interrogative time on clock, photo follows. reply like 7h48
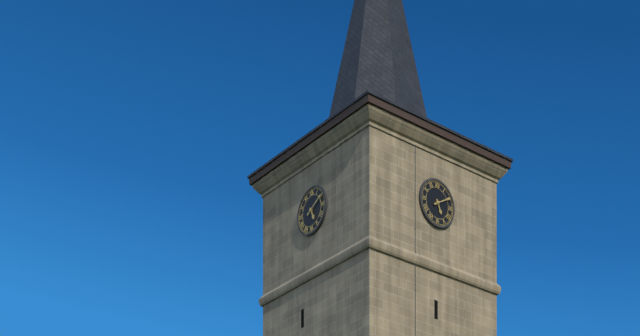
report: 5h10
